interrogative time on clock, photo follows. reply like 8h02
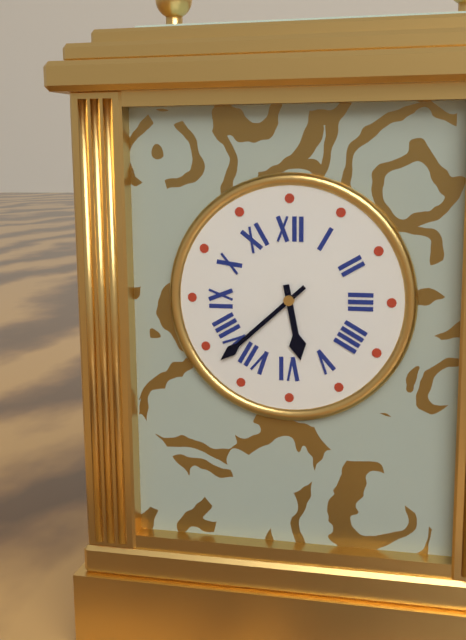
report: 5h38
